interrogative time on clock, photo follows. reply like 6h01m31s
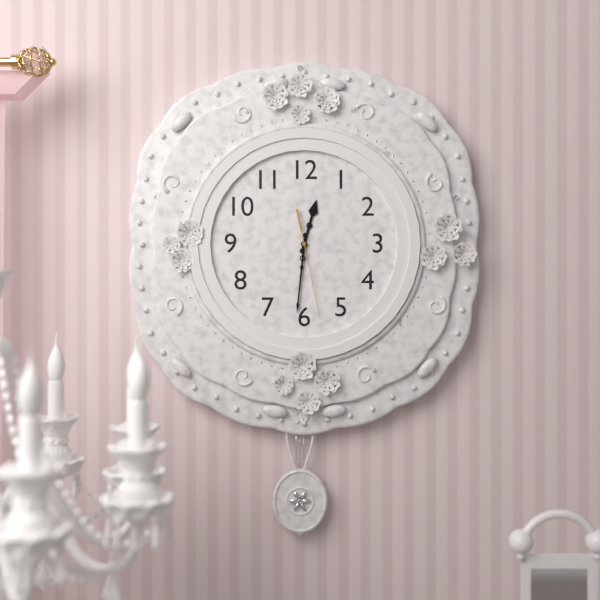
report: 12h31m28s
